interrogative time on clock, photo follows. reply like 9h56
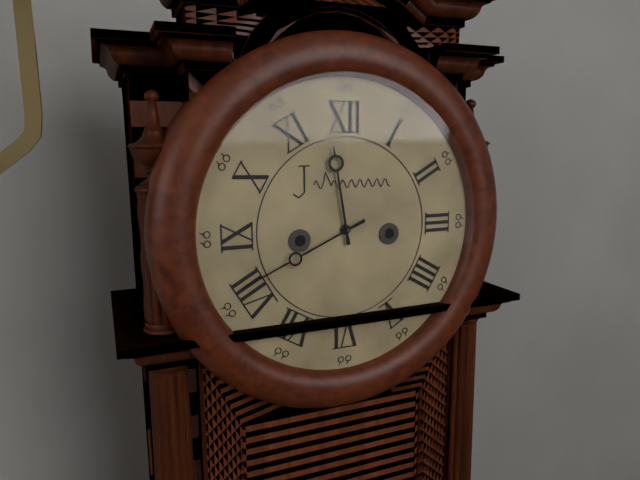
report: 11h41
